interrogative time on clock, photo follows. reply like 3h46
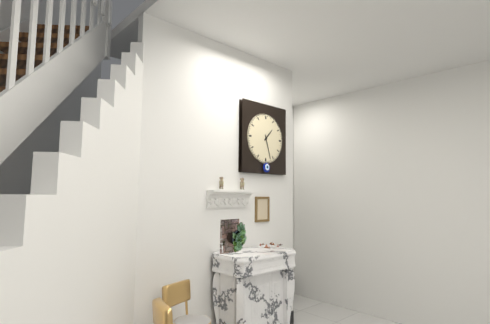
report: 1h27
